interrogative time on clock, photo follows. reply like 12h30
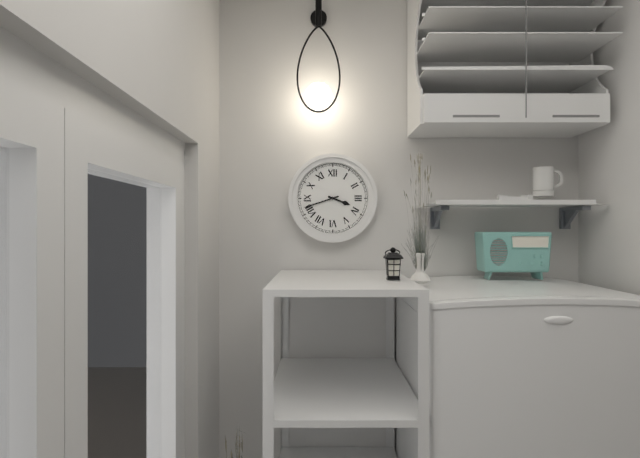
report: 3h42
